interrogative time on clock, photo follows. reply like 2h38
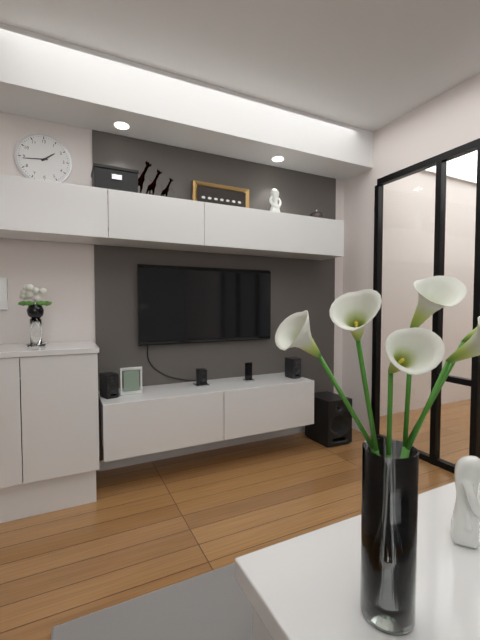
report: 1h44
